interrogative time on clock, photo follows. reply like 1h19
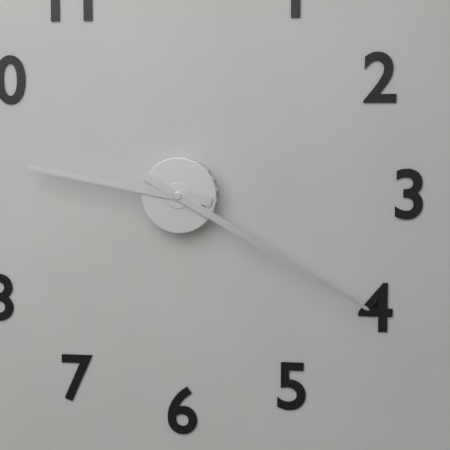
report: 9h20
